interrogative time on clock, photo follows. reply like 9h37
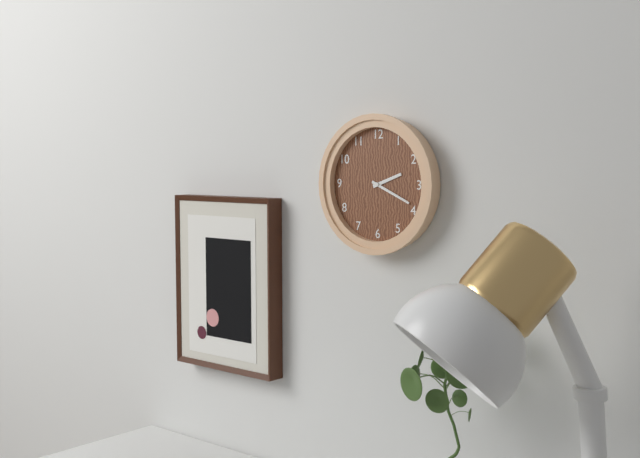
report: 2h19
